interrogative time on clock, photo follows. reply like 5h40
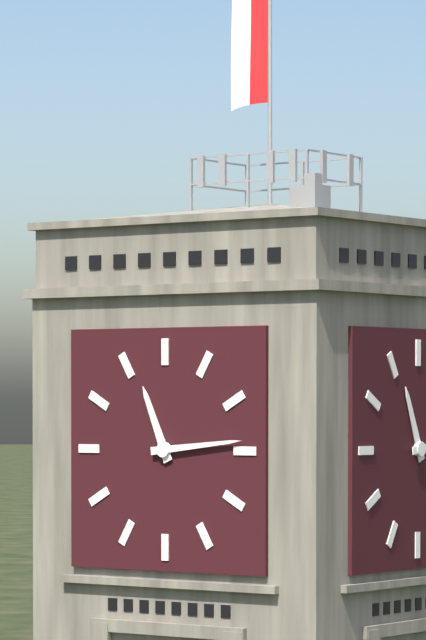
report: 11h14
